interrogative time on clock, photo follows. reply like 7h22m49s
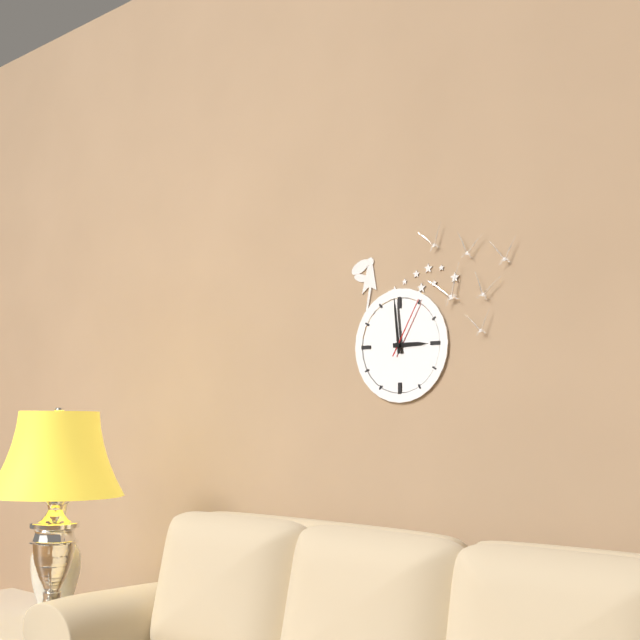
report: 2h59m05s
